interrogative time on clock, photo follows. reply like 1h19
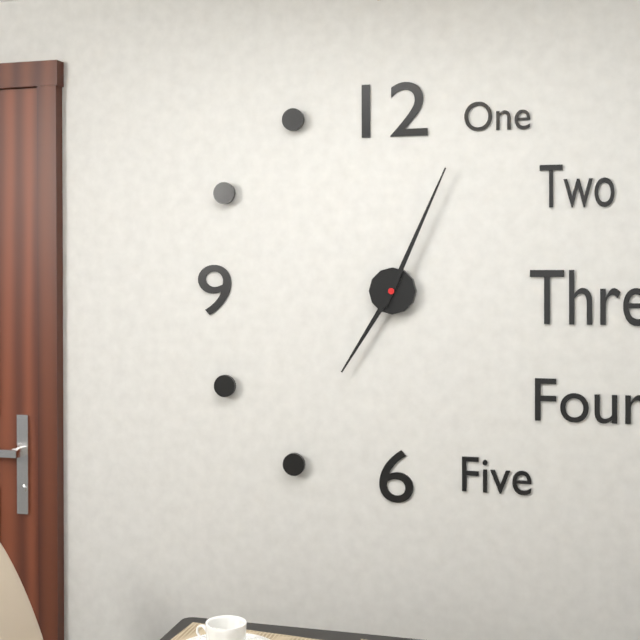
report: 7h04
